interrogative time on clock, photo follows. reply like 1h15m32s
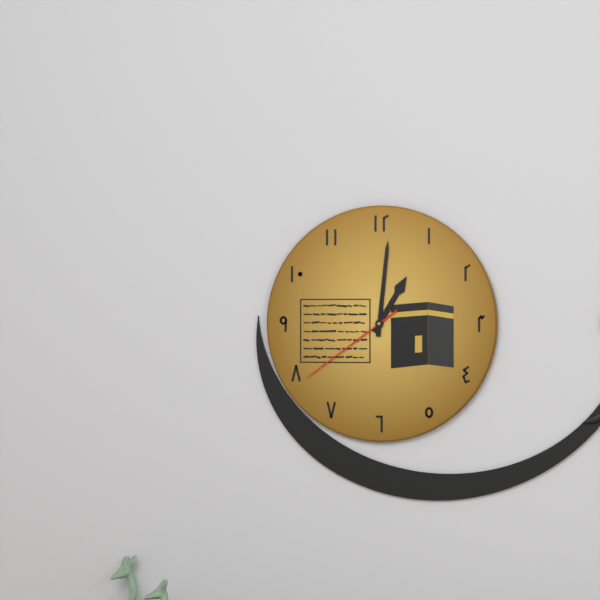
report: 1h01m39s
